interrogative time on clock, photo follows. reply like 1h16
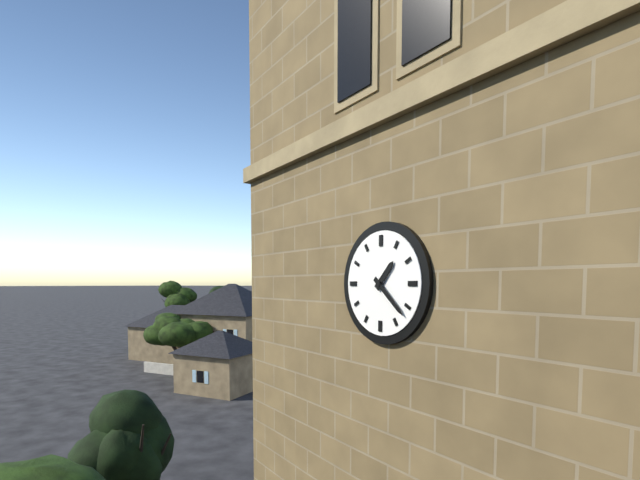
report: 1h22
